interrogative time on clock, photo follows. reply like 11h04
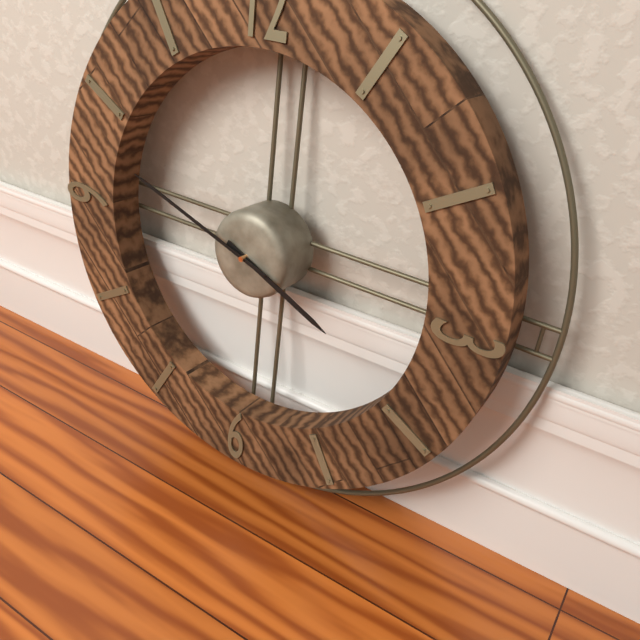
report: 3h48
